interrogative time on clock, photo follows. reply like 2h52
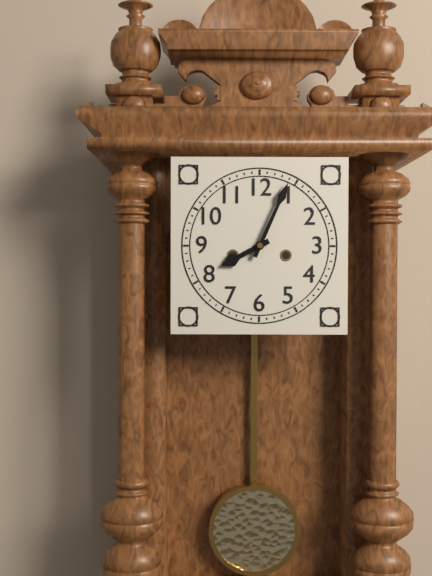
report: 8h04
